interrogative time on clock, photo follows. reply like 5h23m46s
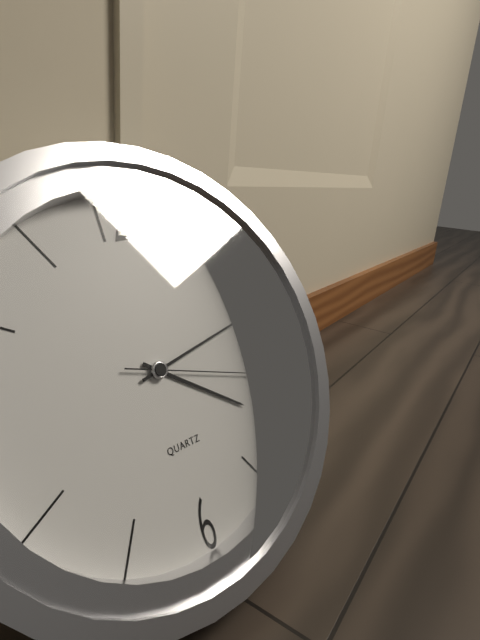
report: 4h13m18s
